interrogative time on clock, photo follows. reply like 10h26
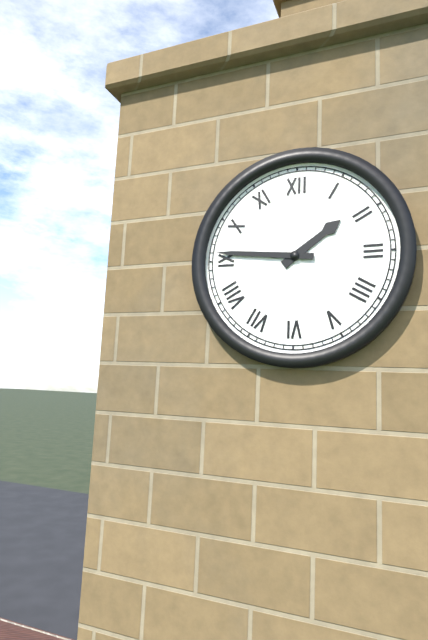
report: 1h46
